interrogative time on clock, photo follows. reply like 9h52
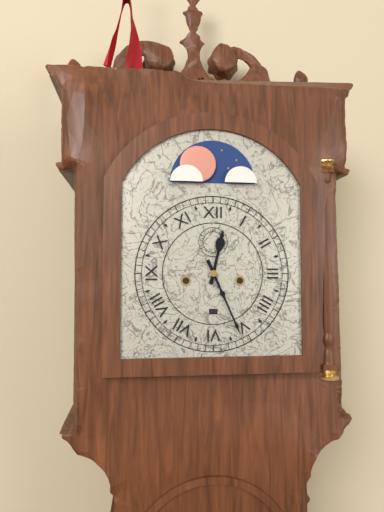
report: 12h26
